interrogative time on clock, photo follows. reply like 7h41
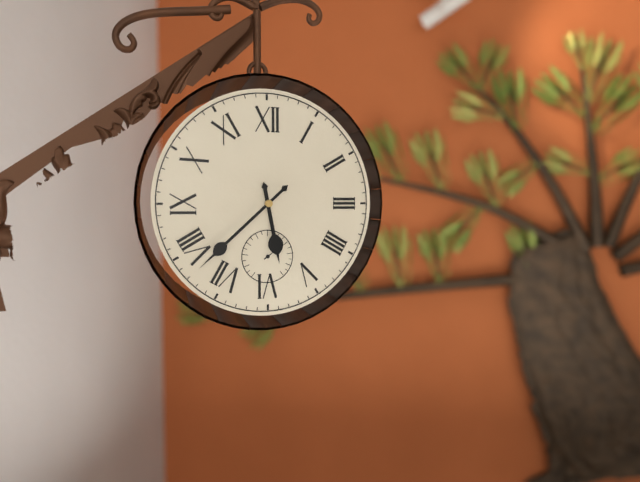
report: 5h38
